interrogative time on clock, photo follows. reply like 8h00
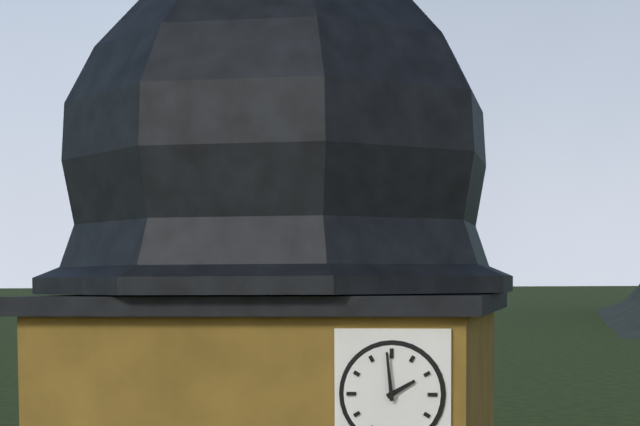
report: 1h59
